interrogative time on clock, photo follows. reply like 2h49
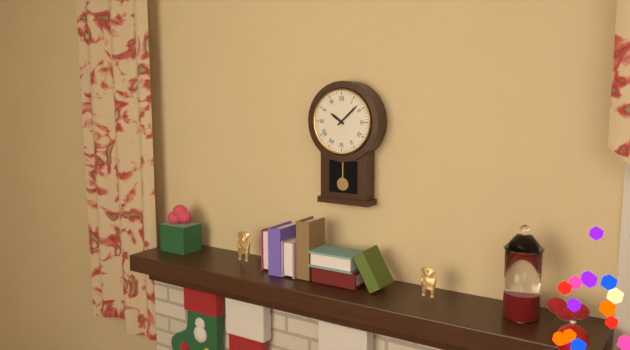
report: 10h08
